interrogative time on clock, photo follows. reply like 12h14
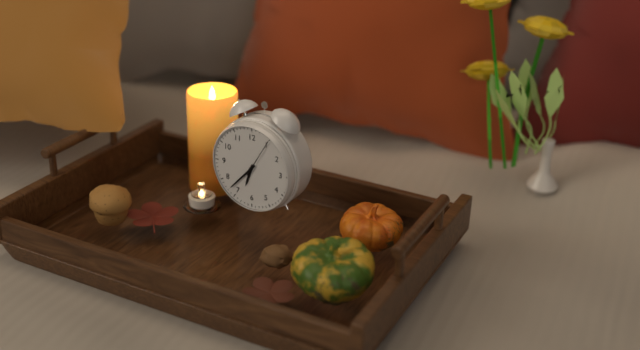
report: 6h37
